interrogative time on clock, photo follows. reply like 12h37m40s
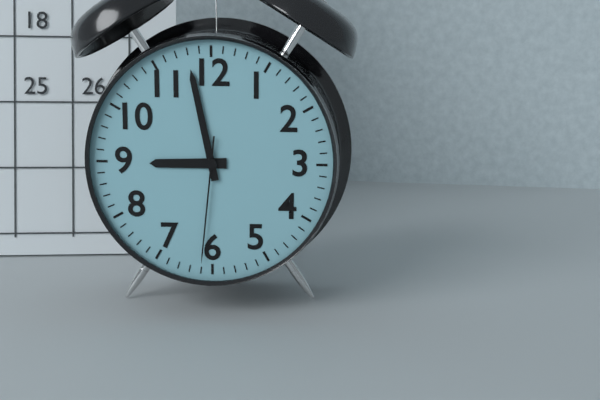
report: 8h58m31s
